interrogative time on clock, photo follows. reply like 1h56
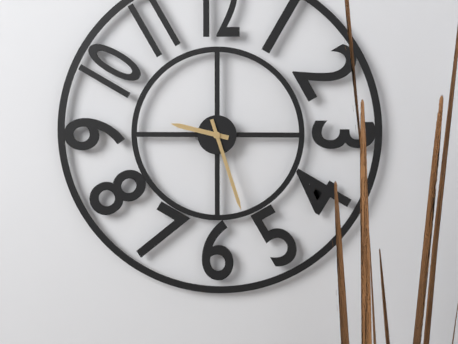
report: 9h27
